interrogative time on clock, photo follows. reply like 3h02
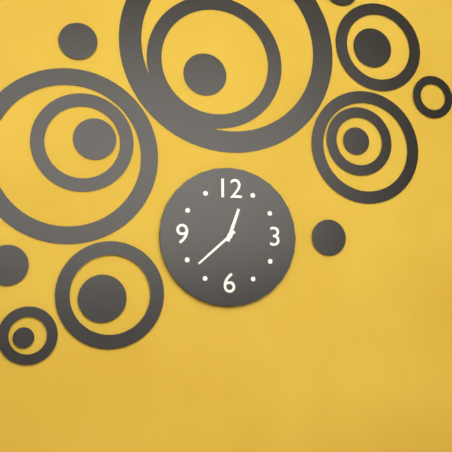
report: 12h38
